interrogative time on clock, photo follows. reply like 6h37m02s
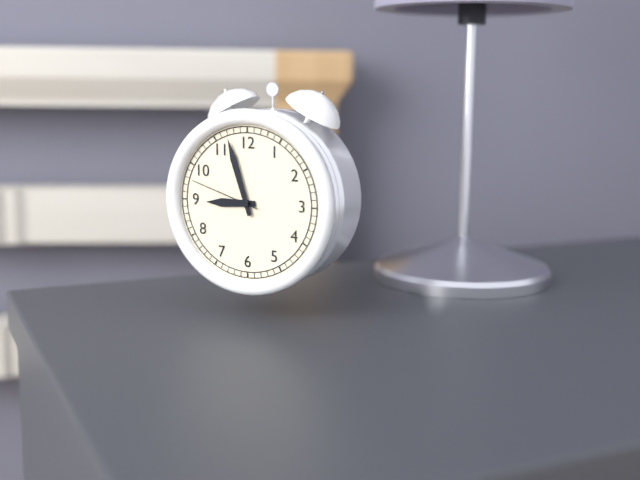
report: 8h57m48s
